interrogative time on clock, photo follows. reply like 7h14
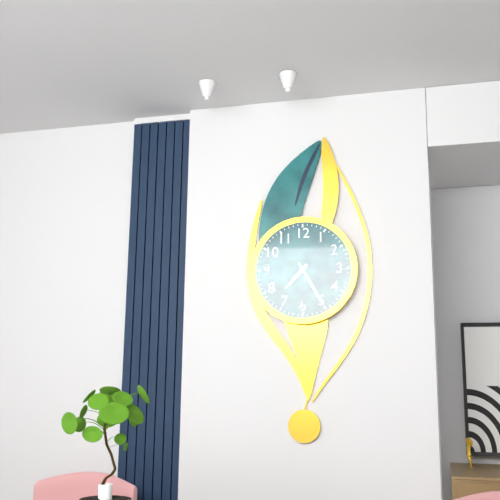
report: 7h25
